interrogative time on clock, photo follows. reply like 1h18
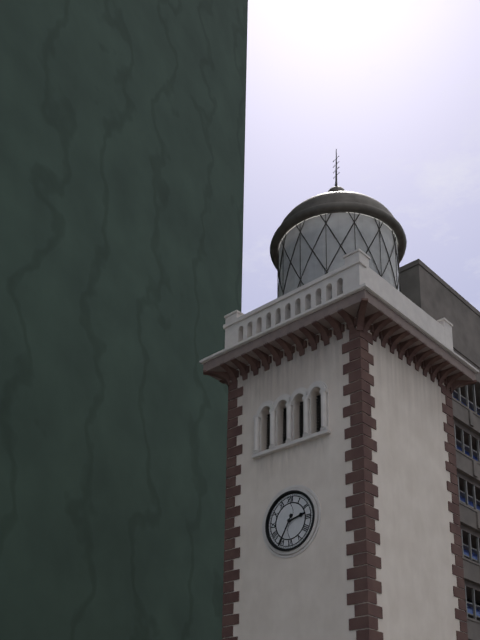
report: 2h35
